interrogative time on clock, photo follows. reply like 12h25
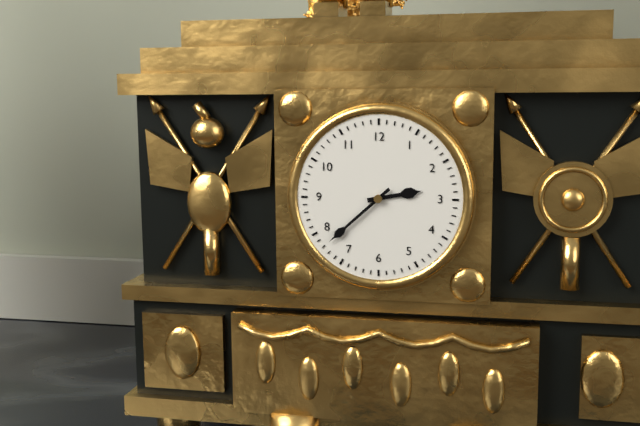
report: 2h38
